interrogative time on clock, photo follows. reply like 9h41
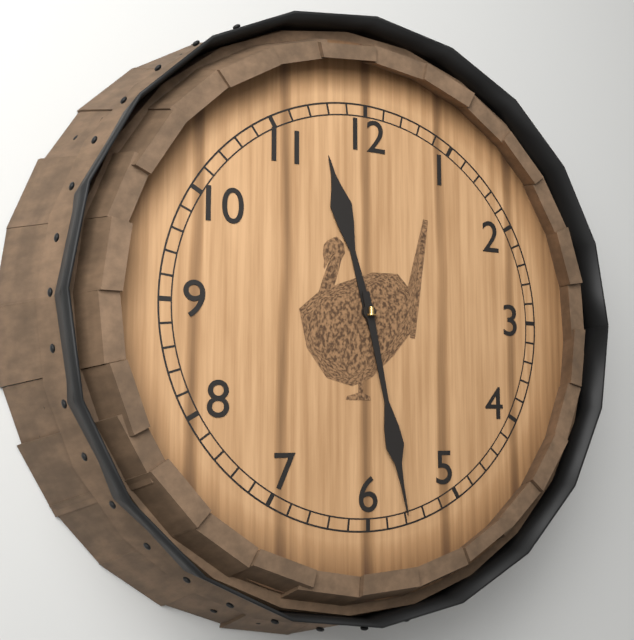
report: 11h28
